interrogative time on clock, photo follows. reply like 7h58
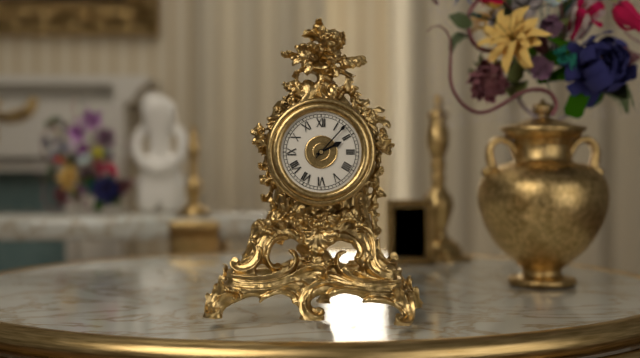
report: 2h07
